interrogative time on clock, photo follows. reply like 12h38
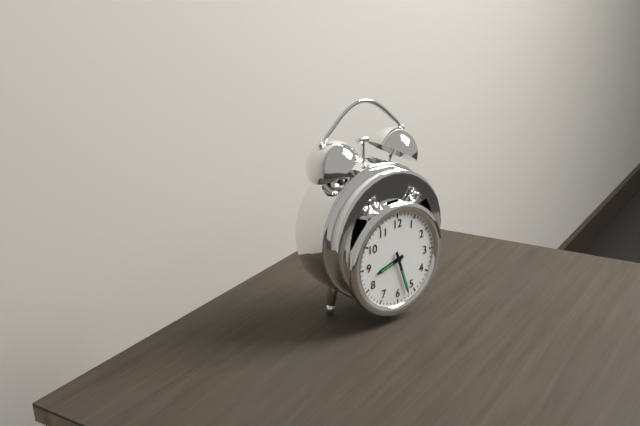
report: 8h27
